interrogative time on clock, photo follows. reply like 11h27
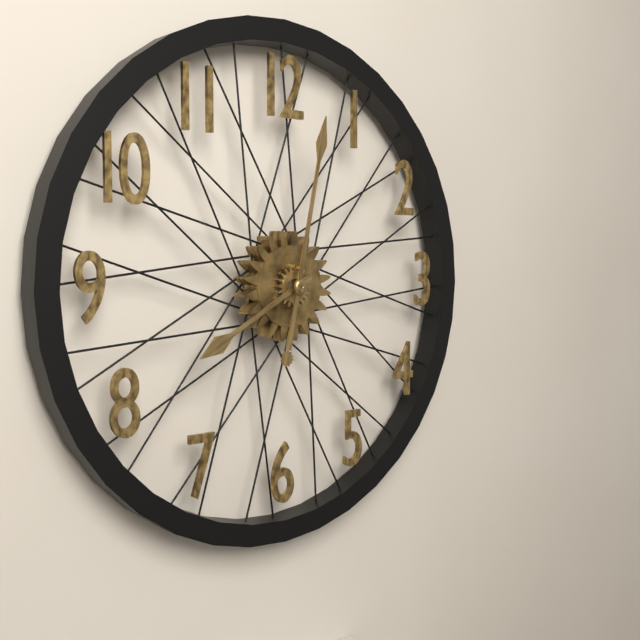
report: 8h02
